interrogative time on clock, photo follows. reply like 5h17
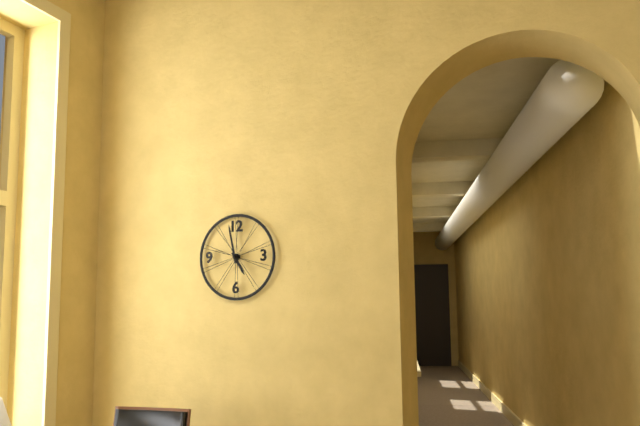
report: 4h58
